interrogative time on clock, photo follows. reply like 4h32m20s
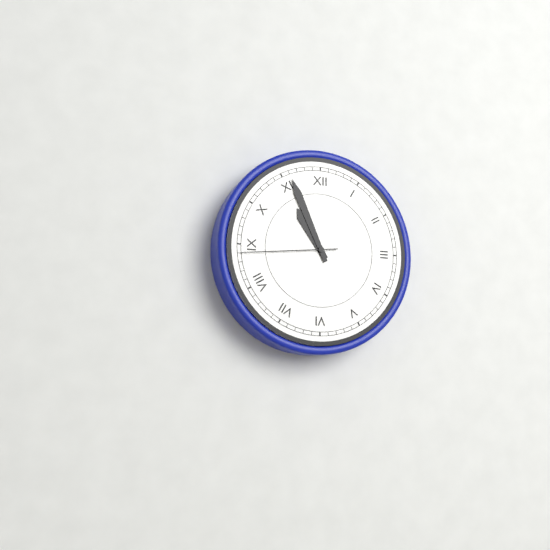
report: 10h56m44s
